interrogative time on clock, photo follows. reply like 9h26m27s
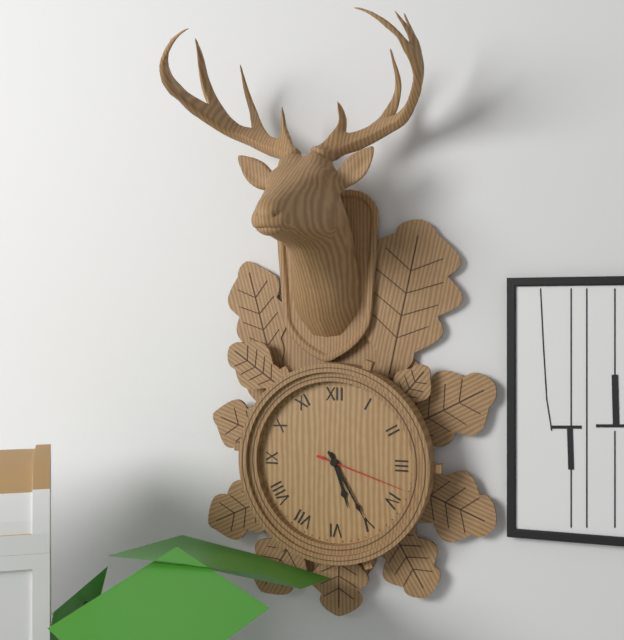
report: 5h25m18s
